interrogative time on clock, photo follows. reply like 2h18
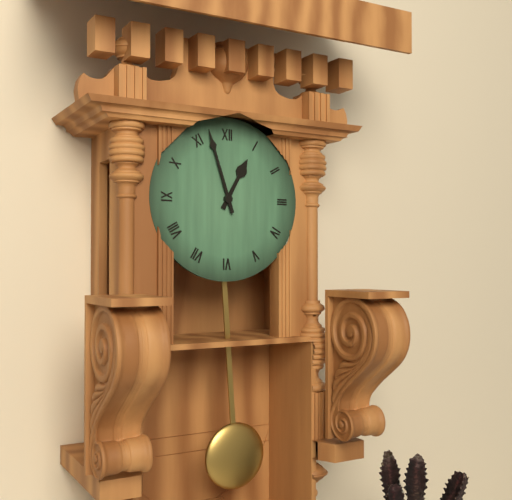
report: 12h57
